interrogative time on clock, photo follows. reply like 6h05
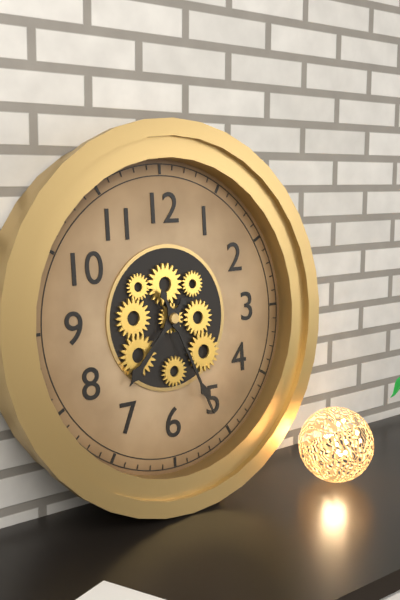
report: 7h26
